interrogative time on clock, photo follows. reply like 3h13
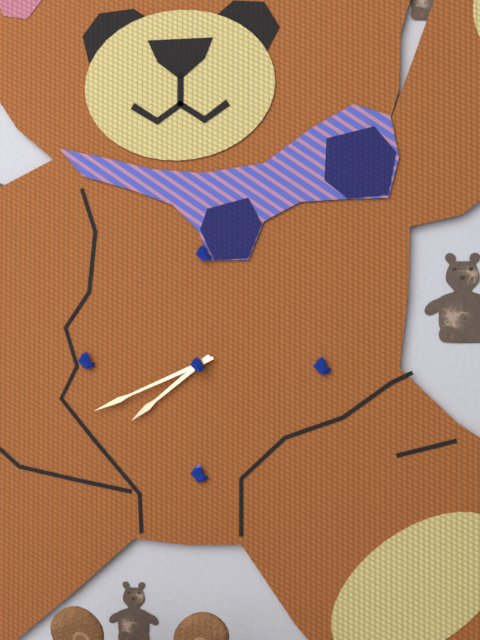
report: 7h41
